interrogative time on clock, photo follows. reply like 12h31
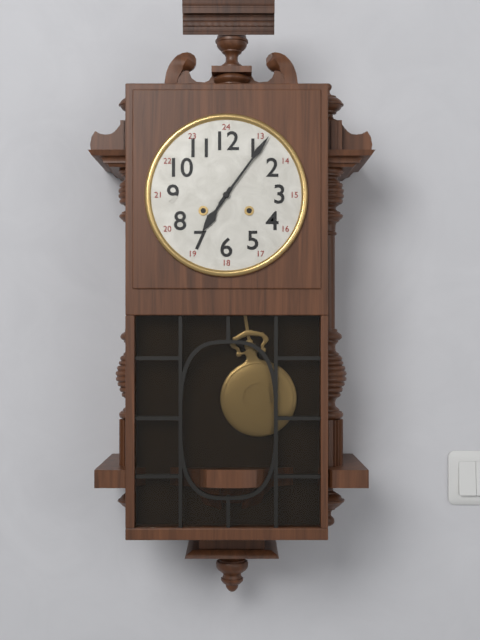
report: 7h06
